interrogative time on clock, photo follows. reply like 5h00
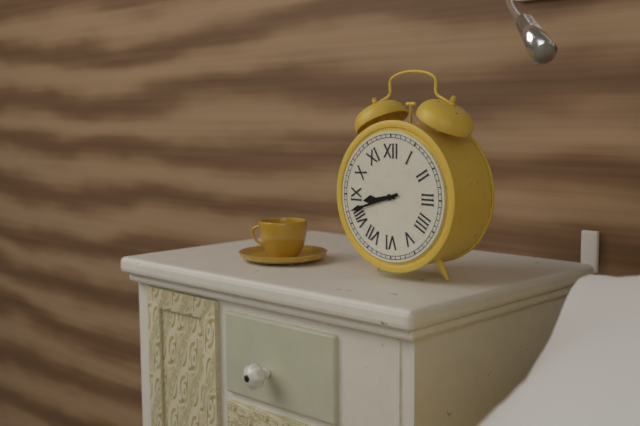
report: 8h42
